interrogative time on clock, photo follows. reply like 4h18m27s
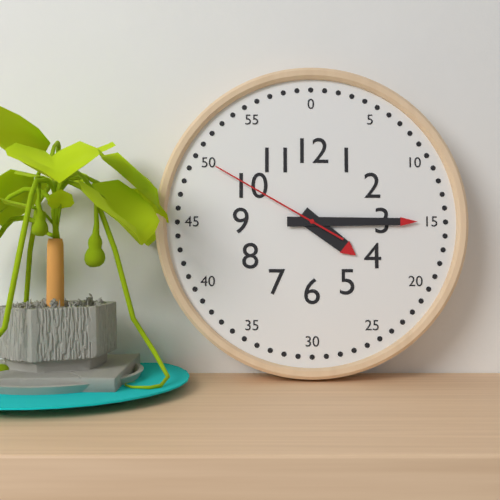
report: 4h15m50s
